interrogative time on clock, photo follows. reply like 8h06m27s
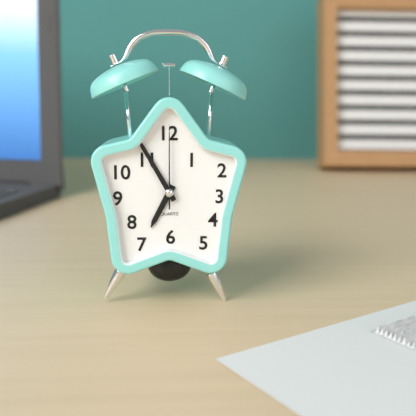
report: 6h55m00s
